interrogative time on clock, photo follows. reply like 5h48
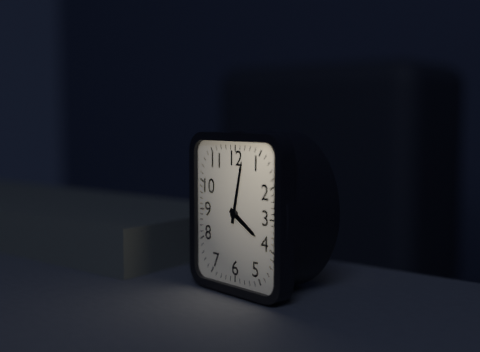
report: 4h02
